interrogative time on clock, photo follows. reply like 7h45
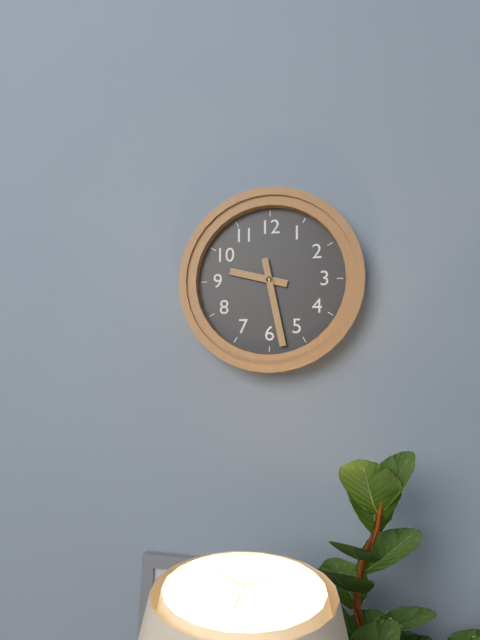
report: 9h28
